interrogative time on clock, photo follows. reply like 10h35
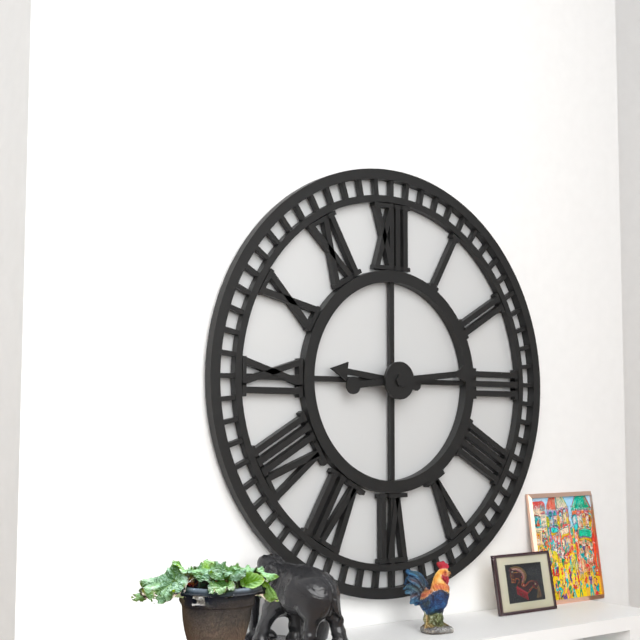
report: 9h14
